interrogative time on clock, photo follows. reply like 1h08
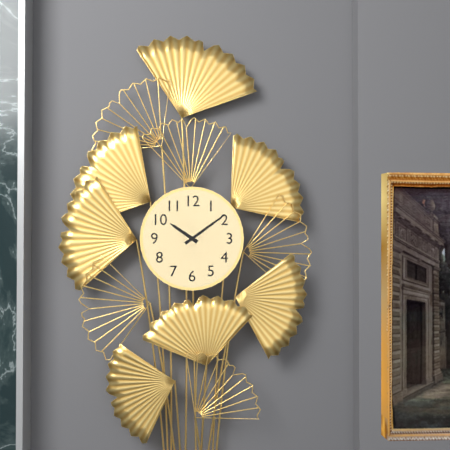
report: 10h09
